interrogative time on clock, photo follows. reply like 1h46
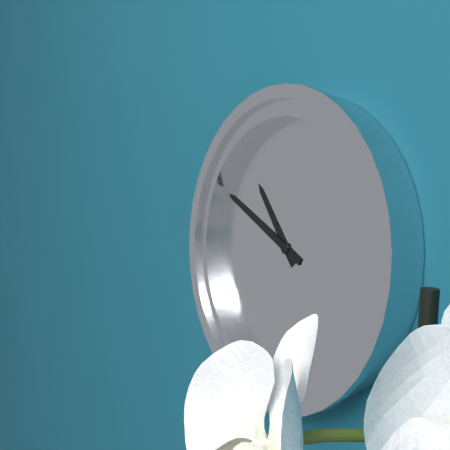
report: 10h50
